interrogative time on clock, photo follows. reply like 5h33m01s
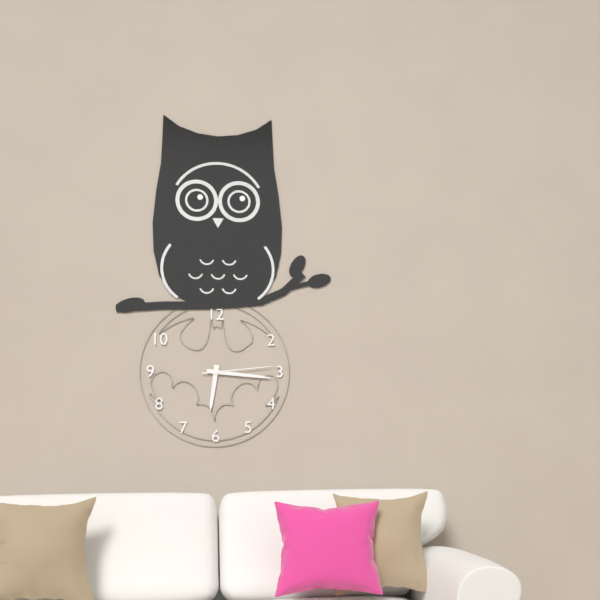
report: 6h16m14s
